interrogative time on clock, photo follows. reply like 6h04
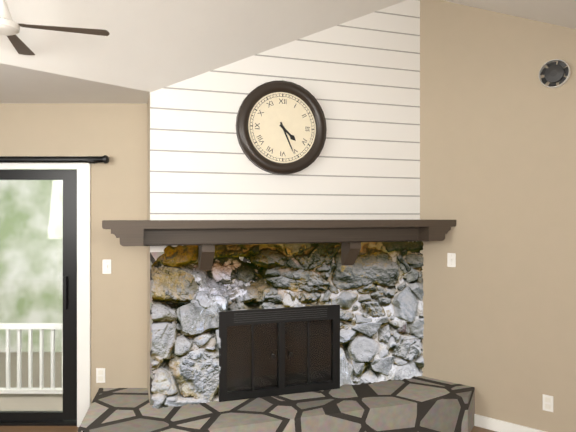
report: 4h26
